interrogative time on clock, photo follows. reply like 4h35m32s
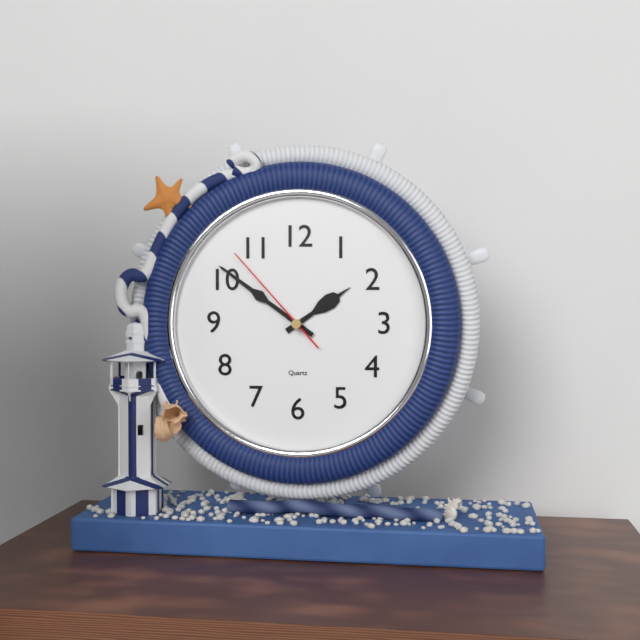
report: 1h51m53s
